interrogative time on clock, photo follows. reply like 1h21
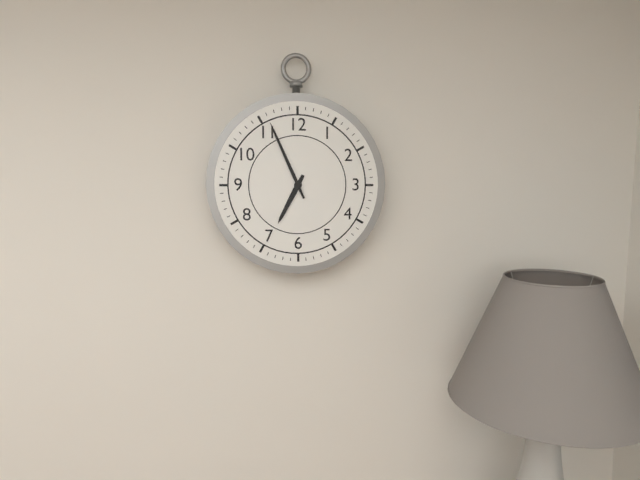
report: 6h56
